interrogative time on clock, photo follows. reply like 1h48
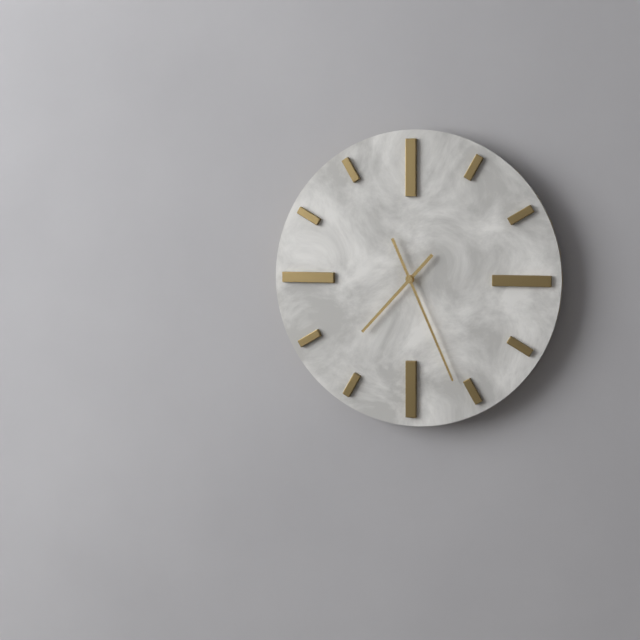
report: 7h26
